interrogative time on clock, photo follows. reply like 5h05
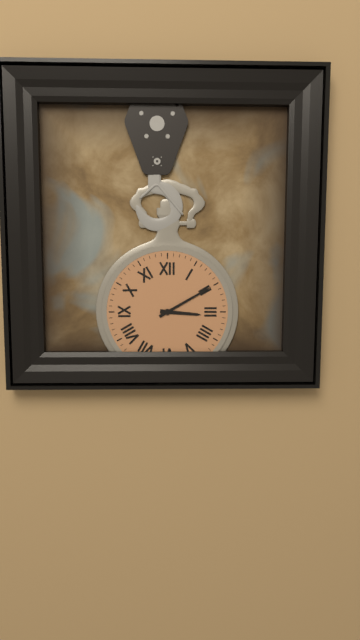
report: 3h10
